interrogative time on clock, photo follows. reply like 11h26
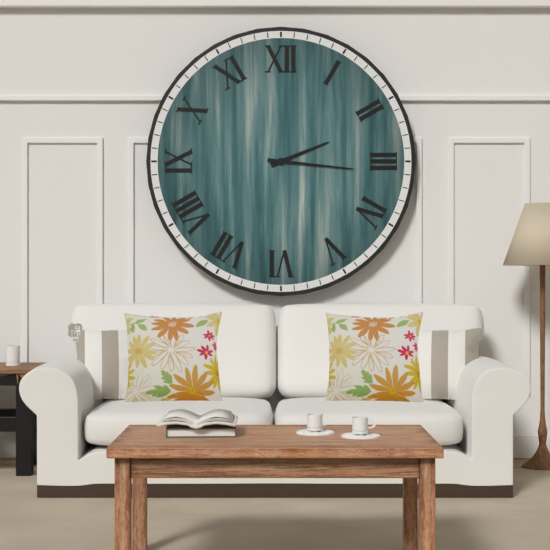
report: 2h16
